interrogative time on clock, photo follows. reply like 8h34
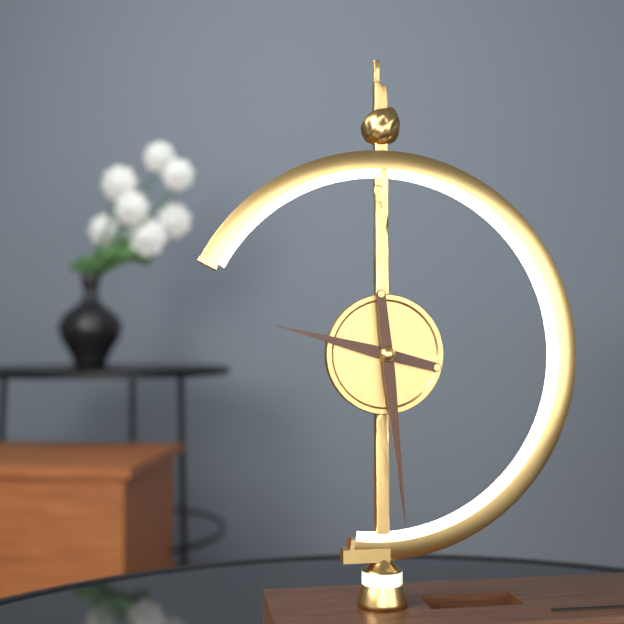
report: 9h29
